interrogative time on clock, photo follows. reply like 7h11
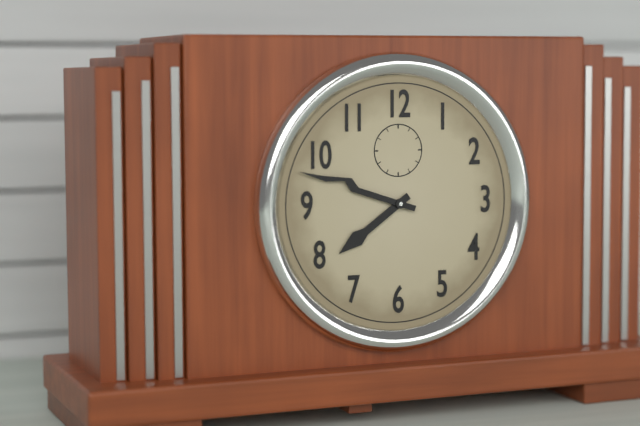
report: 7h48
